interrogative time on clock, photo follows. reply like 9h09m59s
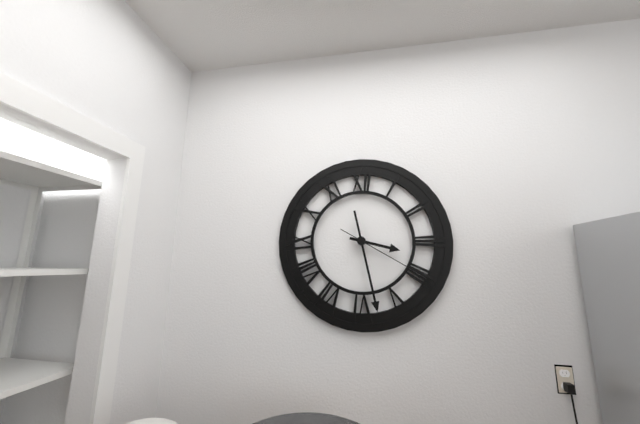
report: 3h28m20s
